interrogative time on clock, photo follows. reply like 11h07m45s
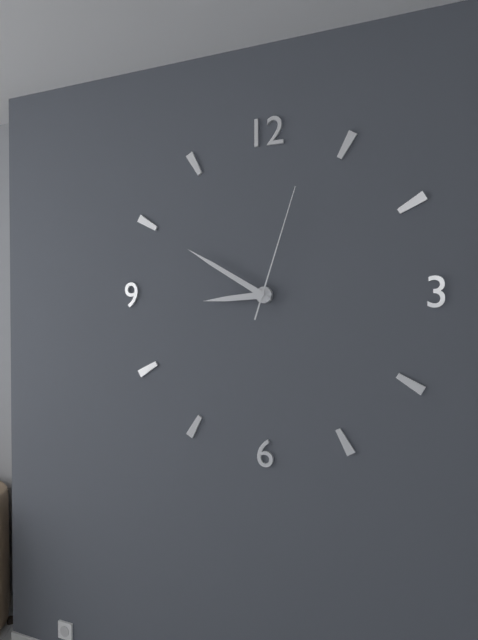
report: 8h50m03s
